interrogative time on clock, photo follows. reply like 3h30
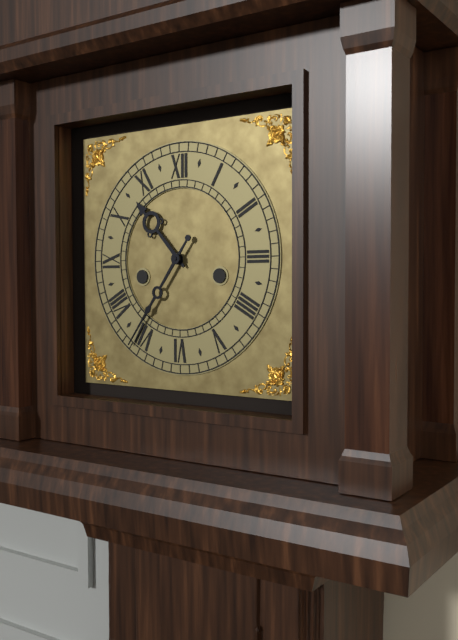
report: 10h36
